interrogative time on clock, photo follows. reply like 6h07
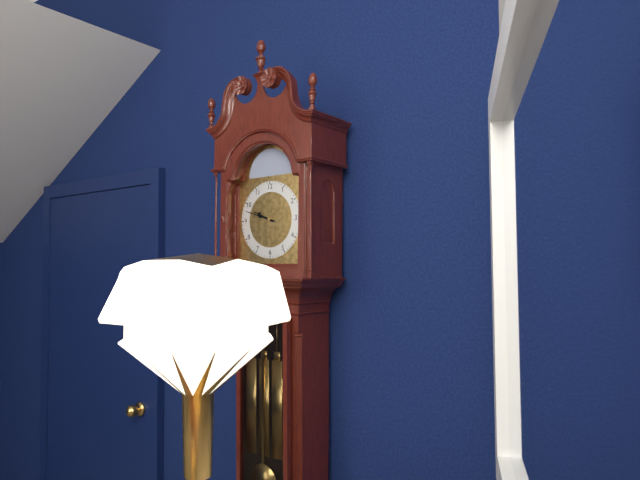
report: 9h48
